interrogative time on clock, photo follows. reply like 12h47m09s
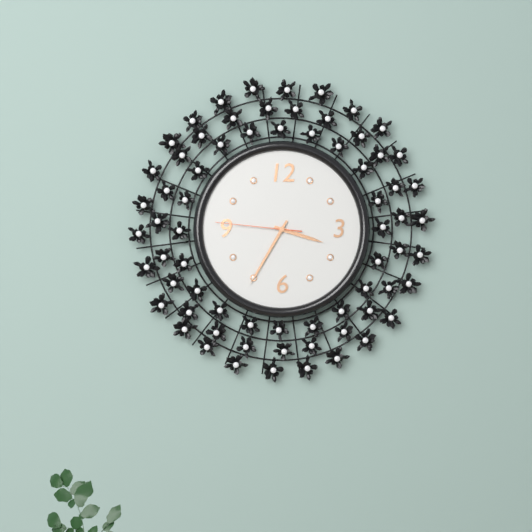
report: 3h35m46s
